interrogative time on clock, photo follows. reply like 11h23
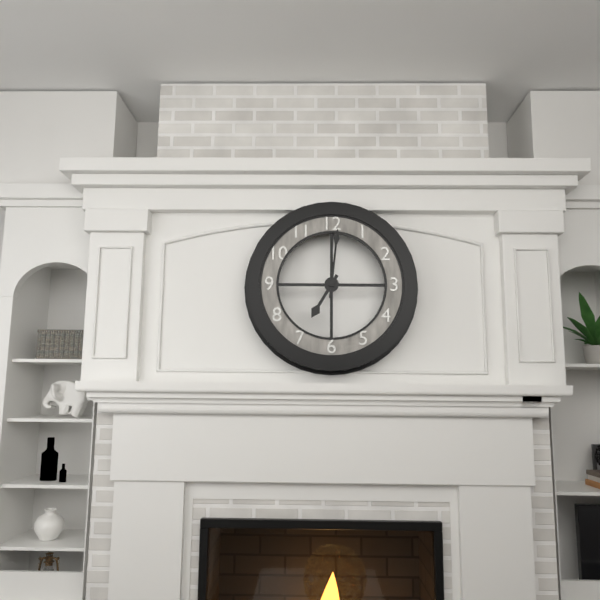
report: 7h01
